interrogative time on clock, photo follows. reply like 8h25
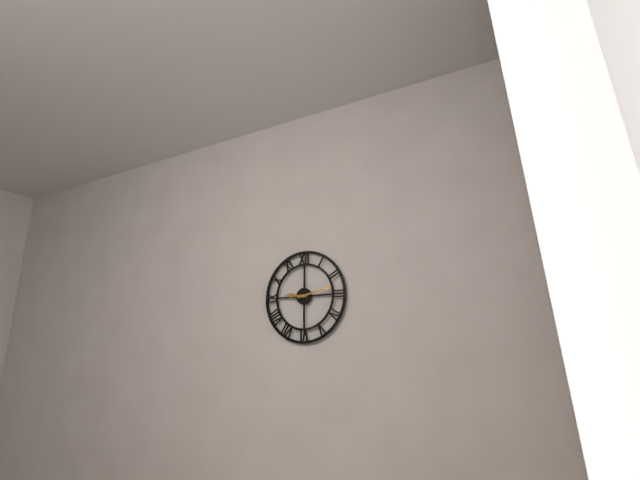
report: 9h13
